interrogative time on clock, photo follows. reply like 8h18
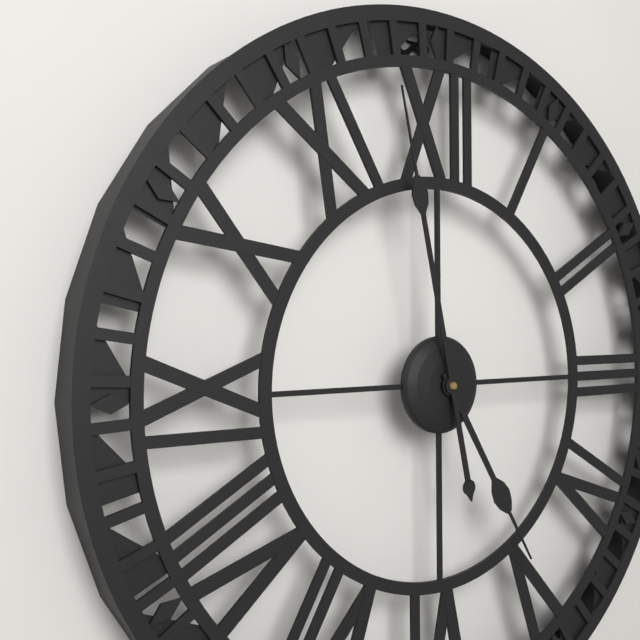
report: 4h58
